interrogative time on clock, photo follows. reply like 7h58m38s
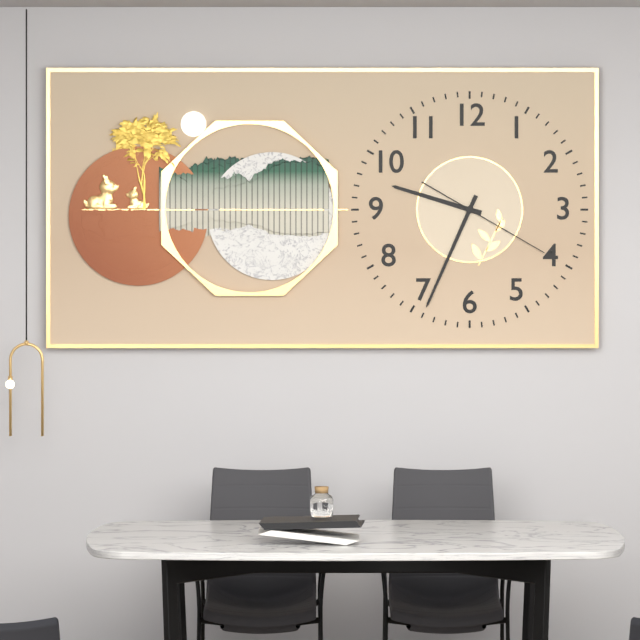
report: 9h34m20s
